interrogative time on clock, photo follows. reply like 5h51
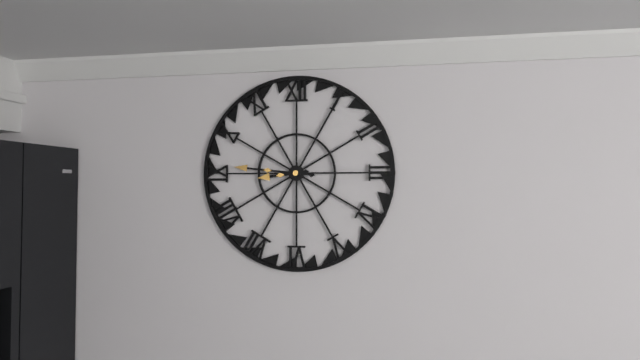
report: 8h46
